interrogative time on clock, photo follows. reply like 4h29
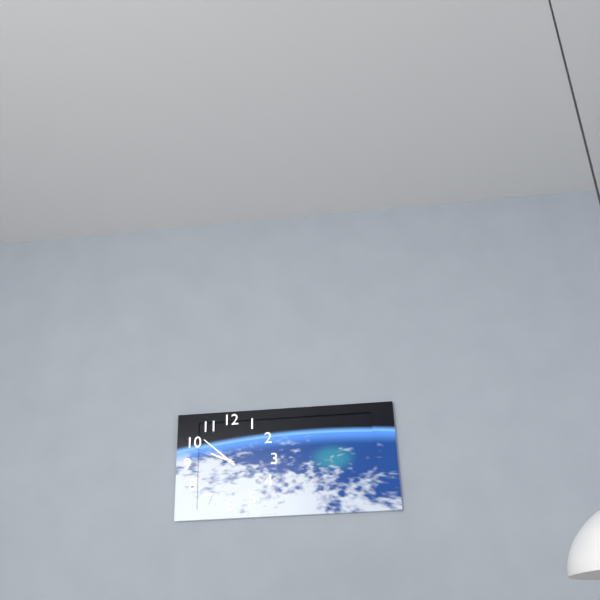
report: 9h52
